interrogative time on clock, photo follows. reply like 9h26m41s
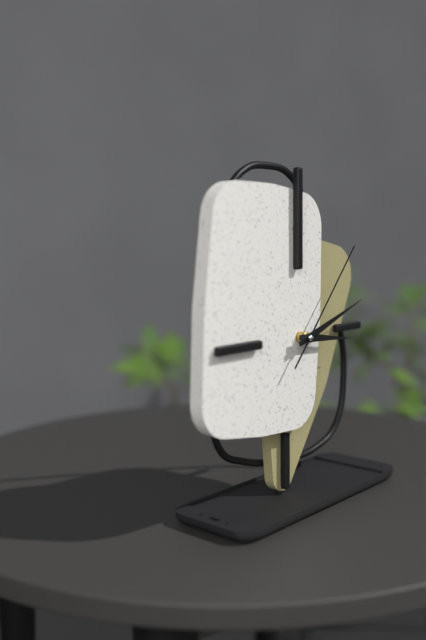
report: 3h12m07s
